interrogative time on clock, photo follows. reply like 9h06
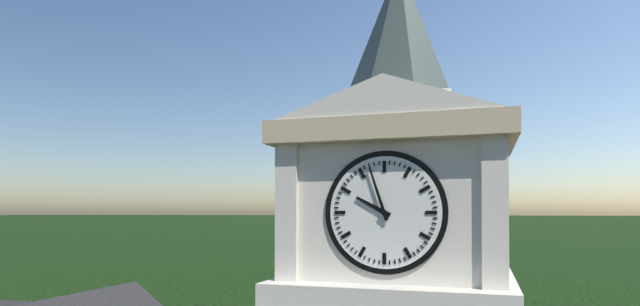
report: 9h57
